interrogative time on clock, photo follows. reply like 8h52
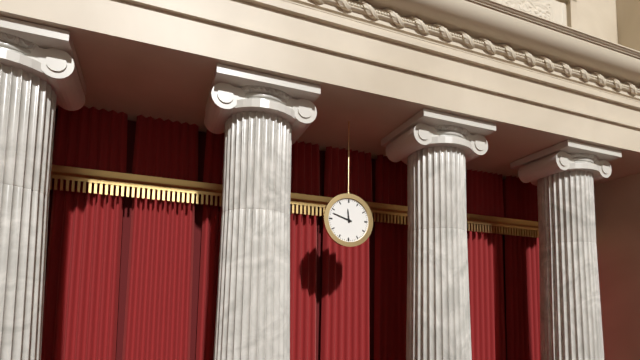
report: 11h48
